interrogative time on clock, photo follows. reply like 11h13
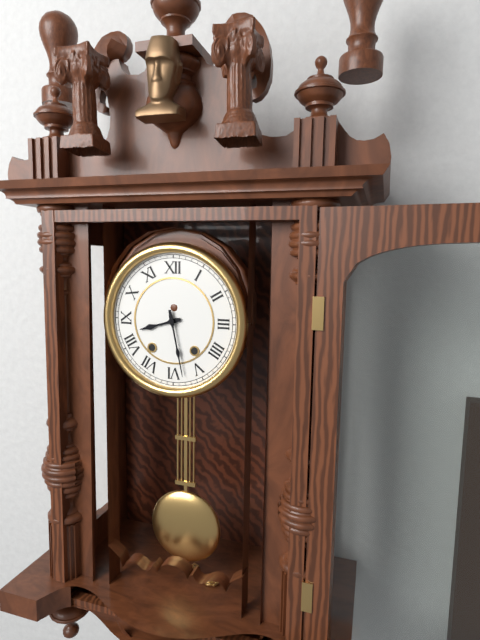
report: 8h28
